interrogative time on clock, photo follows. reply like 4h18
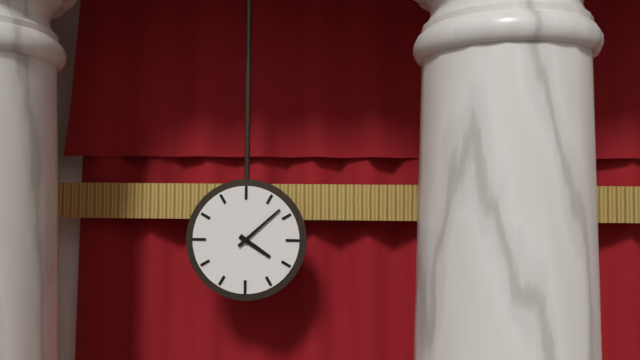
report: 4h08
